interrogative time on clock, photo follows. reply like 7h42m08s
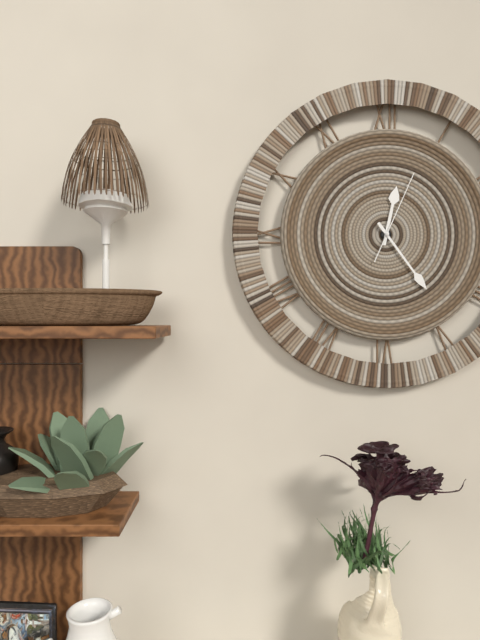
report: 12h24m04s
